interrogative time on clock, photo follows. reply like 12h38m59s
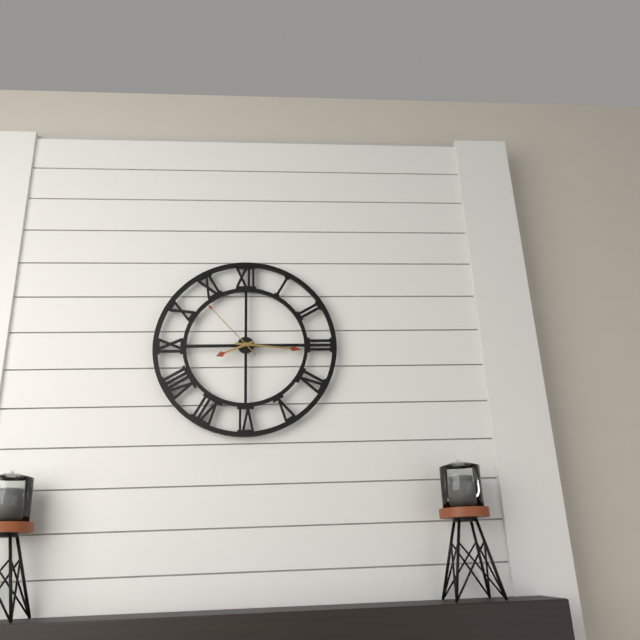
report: 8h16m53s
